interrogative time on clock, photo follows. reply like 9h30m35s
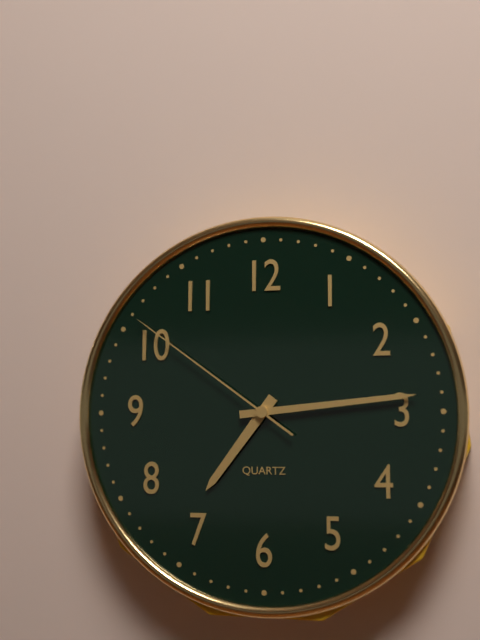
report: 7h14m51s
